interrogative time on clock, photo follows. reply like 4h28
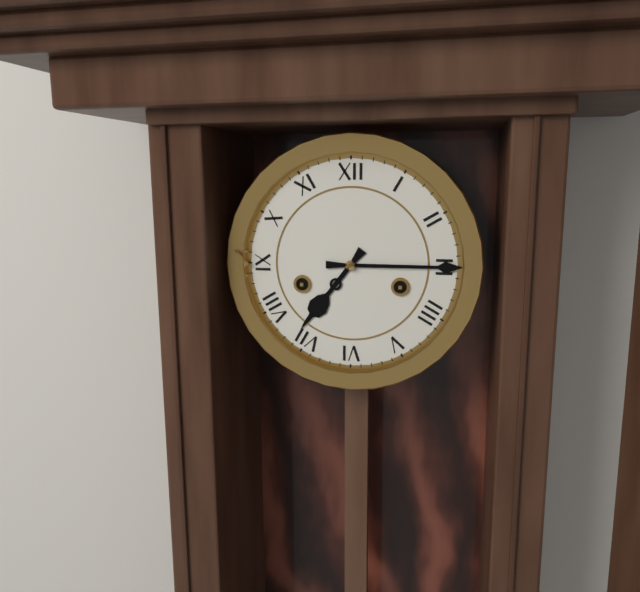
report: 7h15
